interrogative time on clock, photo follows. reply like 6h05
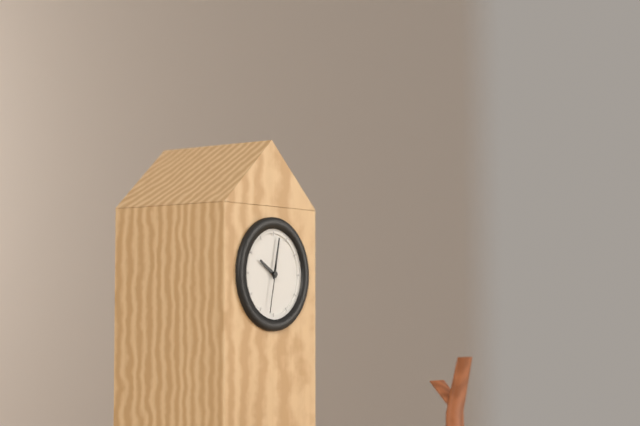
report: 10h02
